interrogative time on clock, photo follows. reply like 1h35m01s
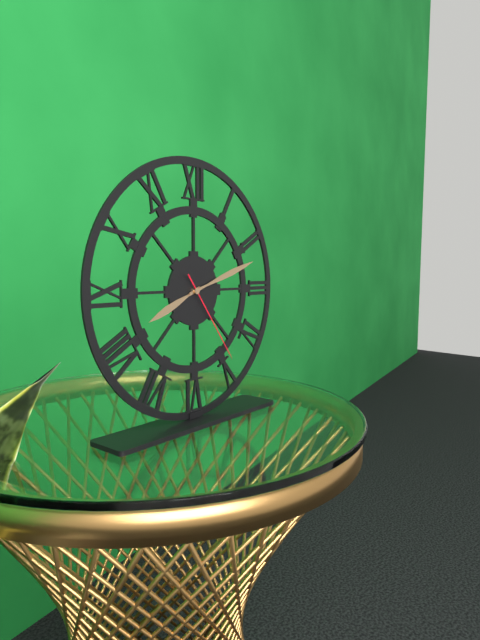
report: 8h12m24s
